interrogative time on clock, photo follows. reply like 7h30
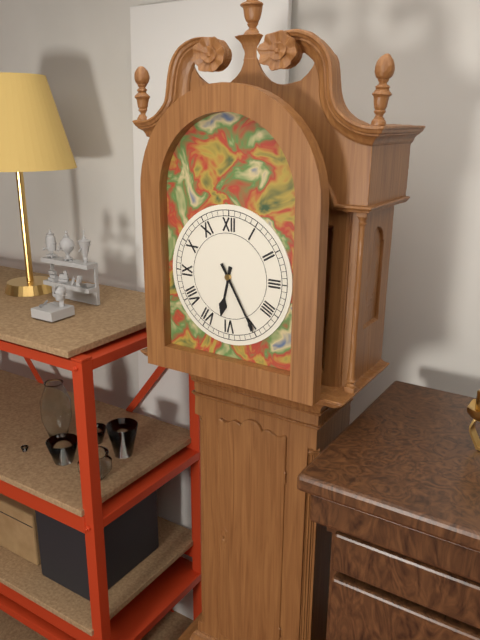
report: 6h25
